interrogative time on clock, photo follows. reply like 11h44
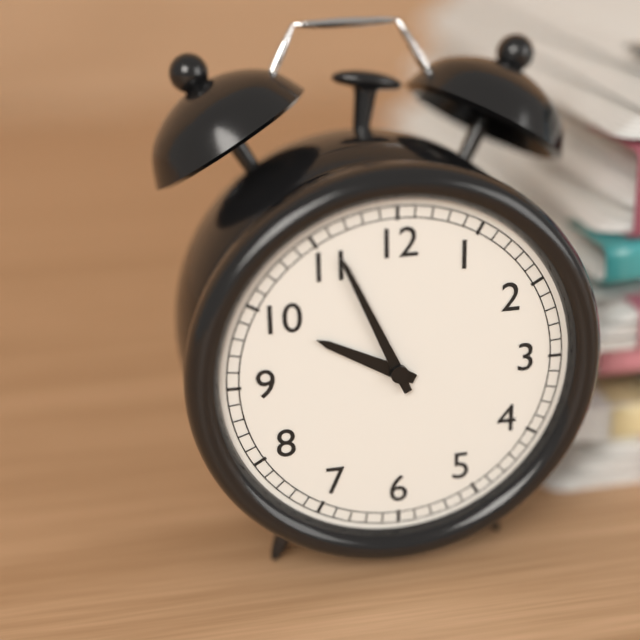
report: 9h56
